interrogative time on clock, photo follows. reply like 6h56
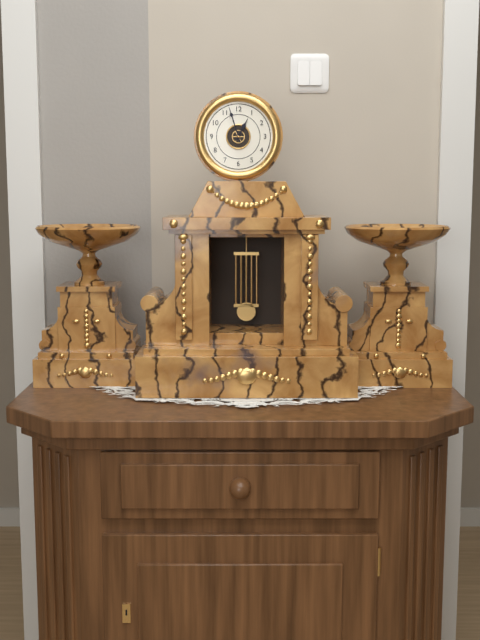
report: 12h57
